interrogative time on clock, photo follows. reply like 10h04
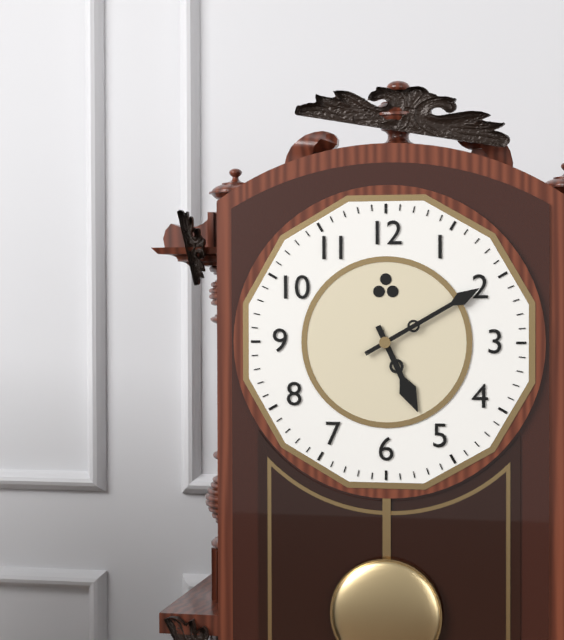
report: 5h10
